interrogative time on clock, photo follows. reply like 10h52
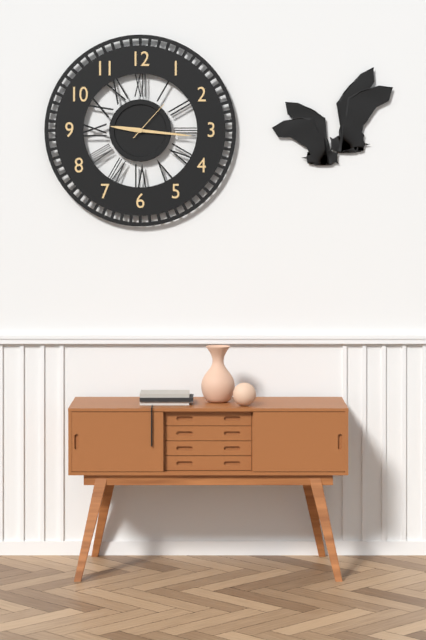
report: 9h16
